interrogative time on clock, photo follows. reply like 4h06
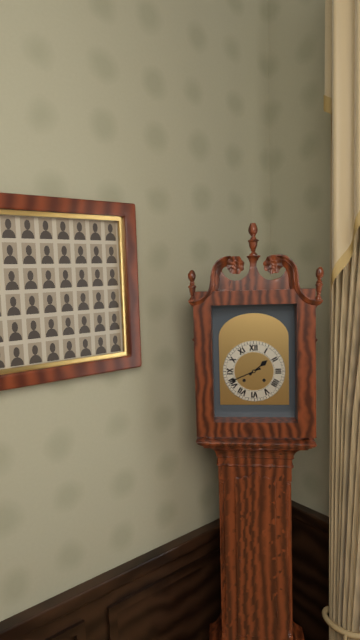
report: 1h41
